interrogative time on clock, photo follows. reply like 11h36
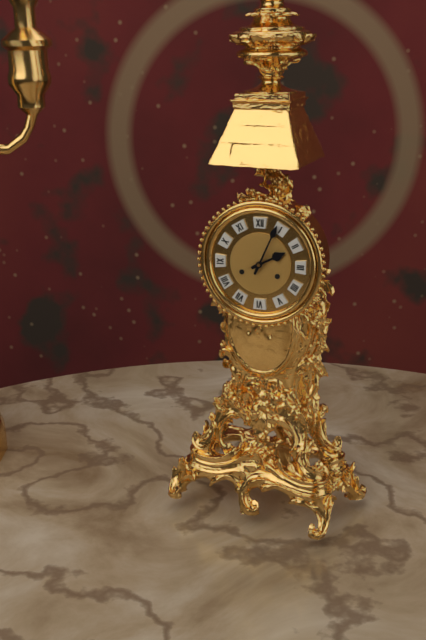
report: 2h04
